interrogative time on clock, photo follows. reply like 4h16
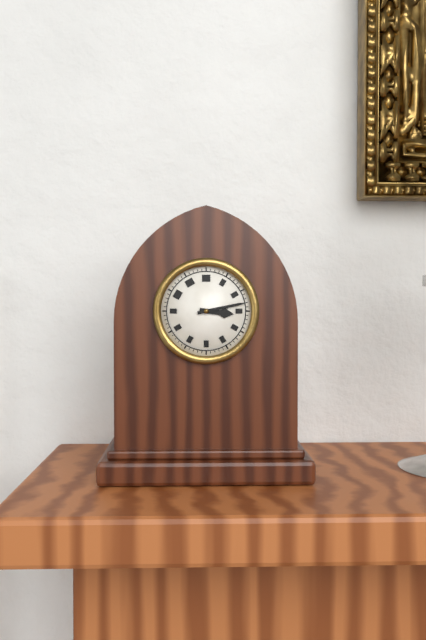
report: 3h13
